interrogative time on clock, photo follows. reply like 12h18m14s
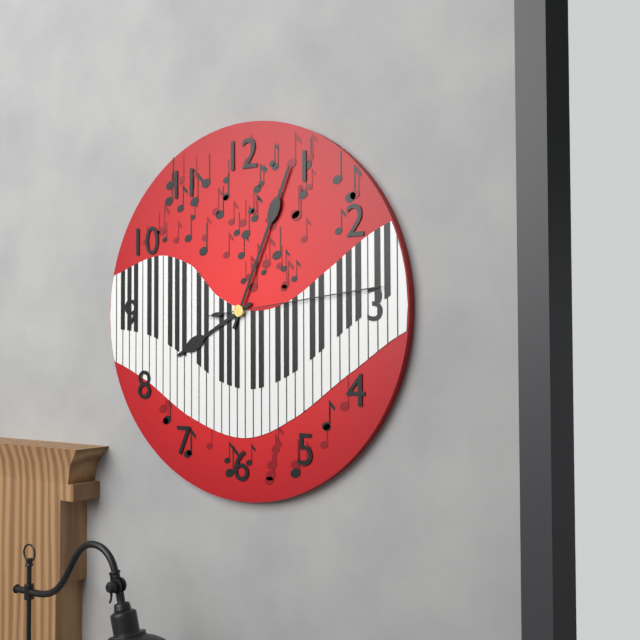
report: 8h04m14s
